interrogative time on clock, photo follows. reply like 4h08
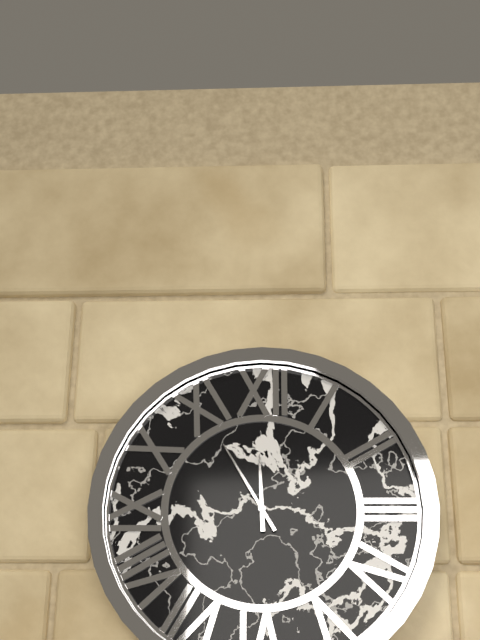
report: 11h55
